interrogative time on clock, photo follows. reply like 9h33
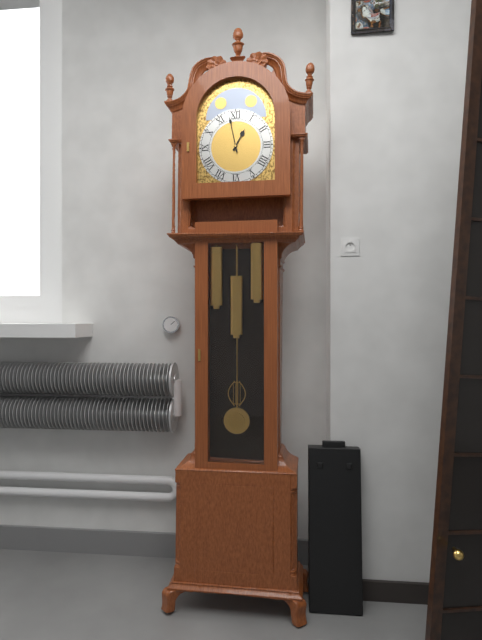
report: 12h58
